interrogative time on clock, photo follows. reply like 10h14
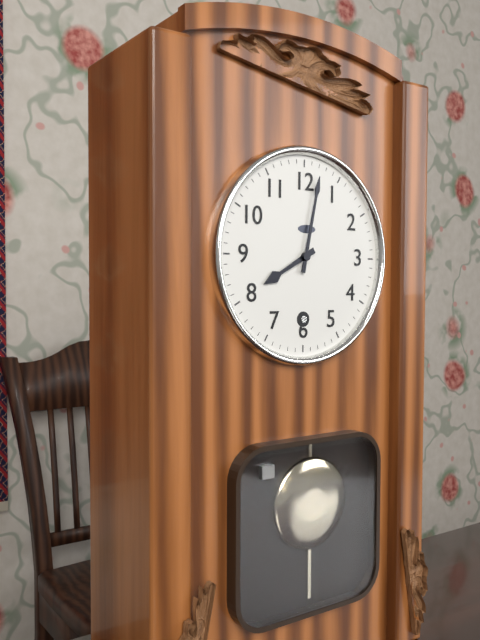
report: 8h02
